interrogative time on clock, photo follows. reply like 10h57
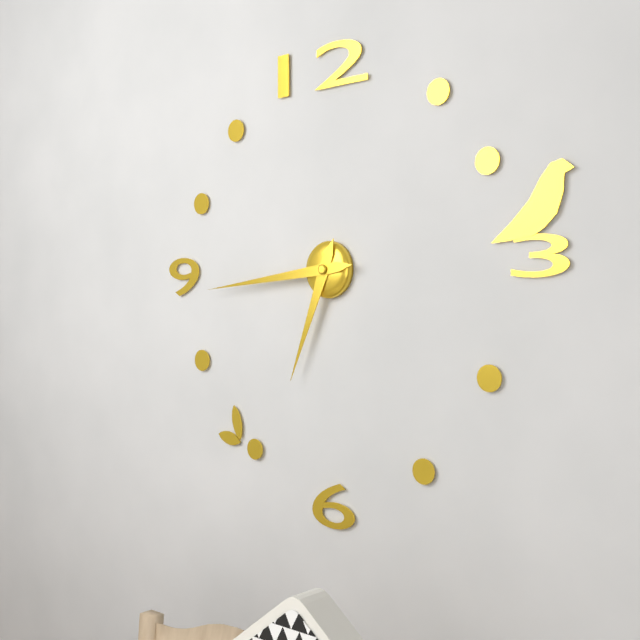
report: 6h44
